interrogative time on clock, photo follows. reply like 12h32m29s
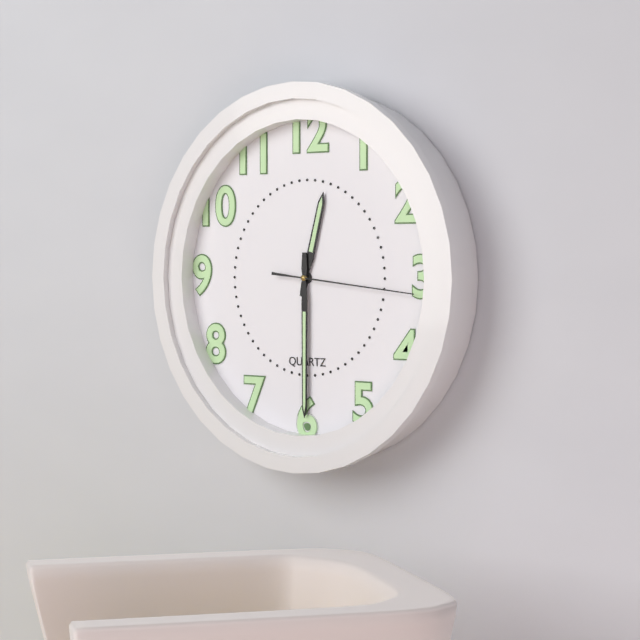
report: 12h30m16s
